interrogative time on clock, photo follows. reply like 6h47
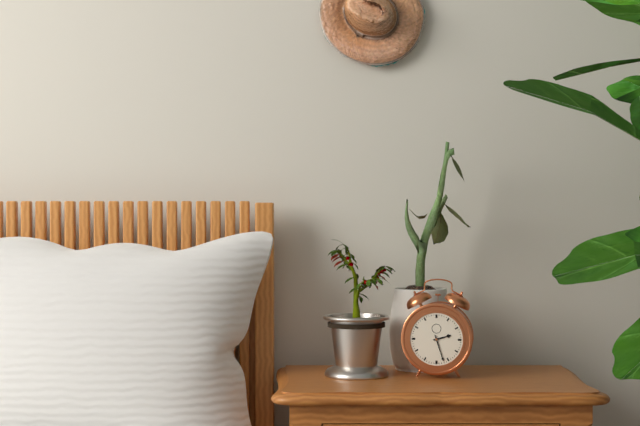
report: 2h27
